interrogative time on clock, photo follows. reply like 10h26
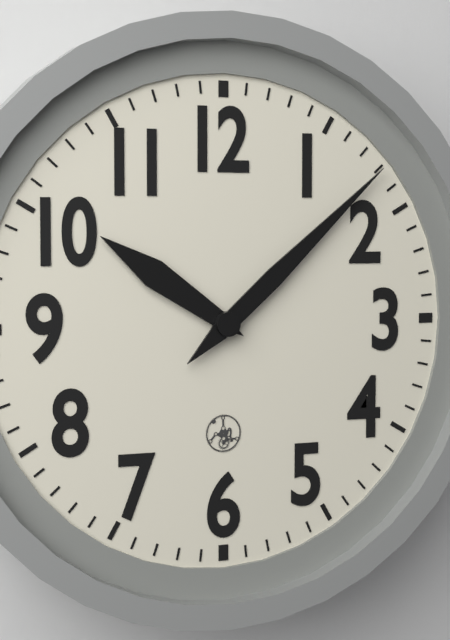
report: 10h08
